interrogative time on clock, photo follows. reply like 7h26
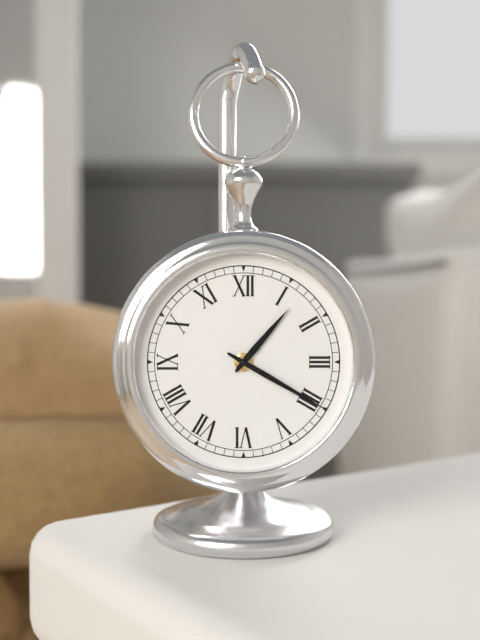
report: 1h20
